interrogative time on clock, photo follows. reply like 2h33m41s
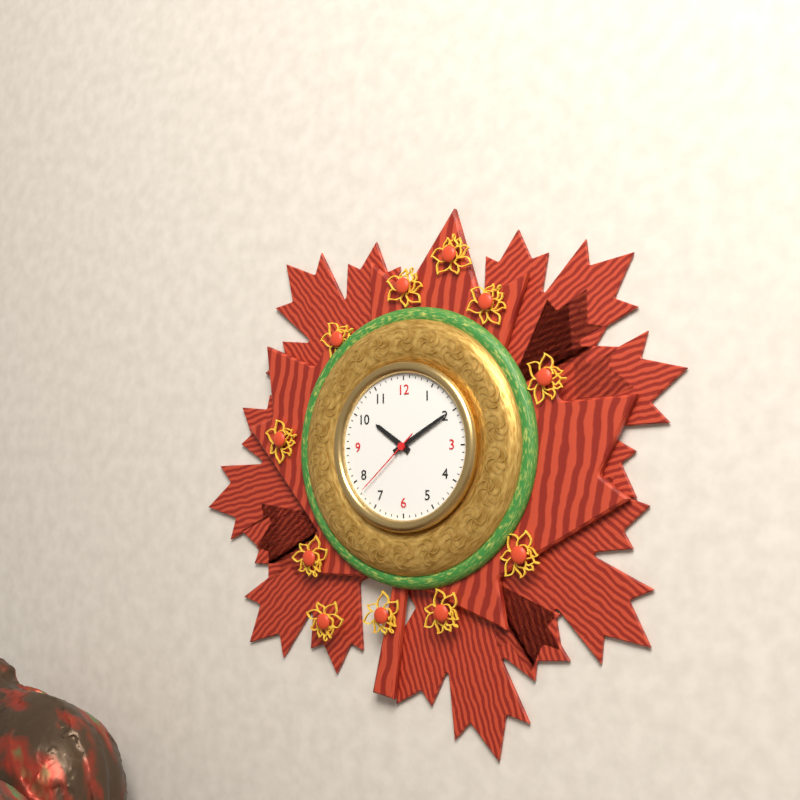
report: 10h10m38s
